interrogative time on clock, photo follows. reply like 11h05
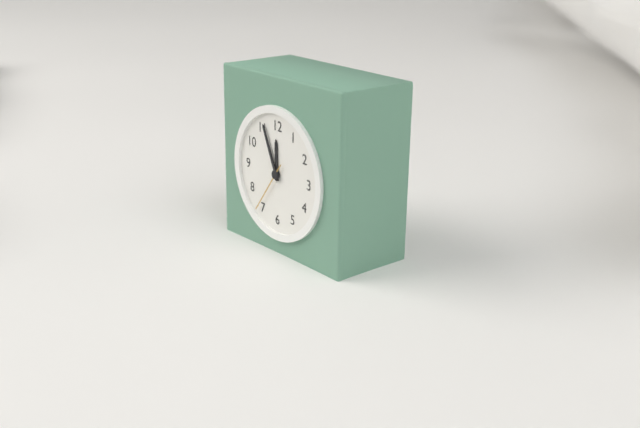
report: 11h56
